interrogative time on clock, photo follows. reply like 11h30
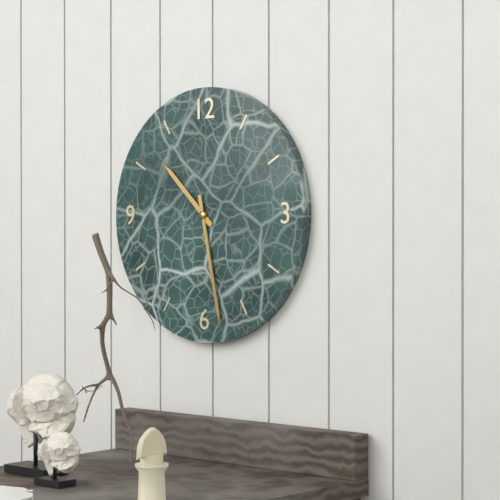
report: 10h28
